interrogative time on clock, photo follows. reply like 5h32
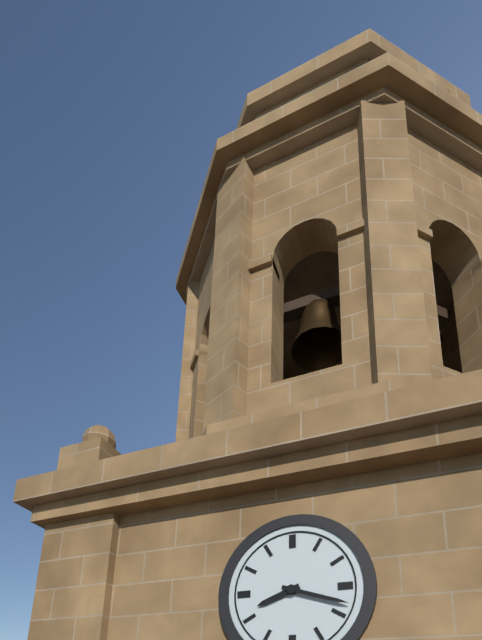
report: 8h18
